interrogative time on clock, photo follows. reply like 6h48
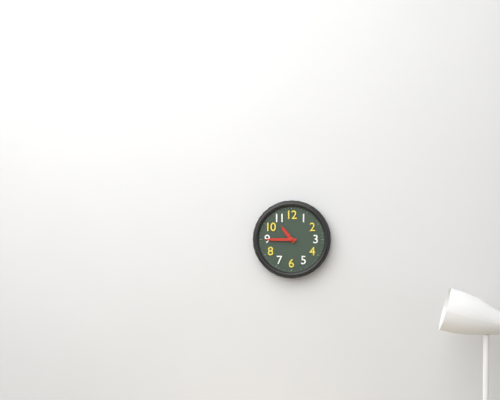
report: 10h45
